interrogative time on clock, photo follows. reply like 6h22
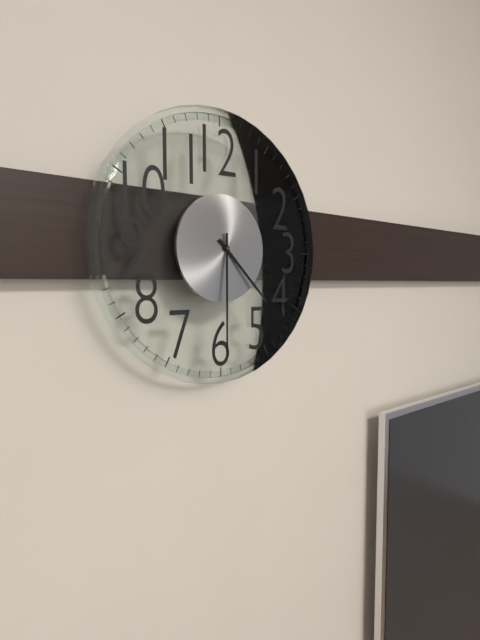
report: 4h30
